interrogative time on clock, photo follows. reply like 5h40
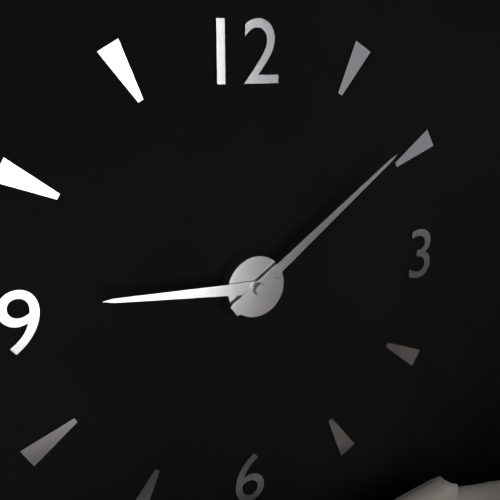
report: 9h09
